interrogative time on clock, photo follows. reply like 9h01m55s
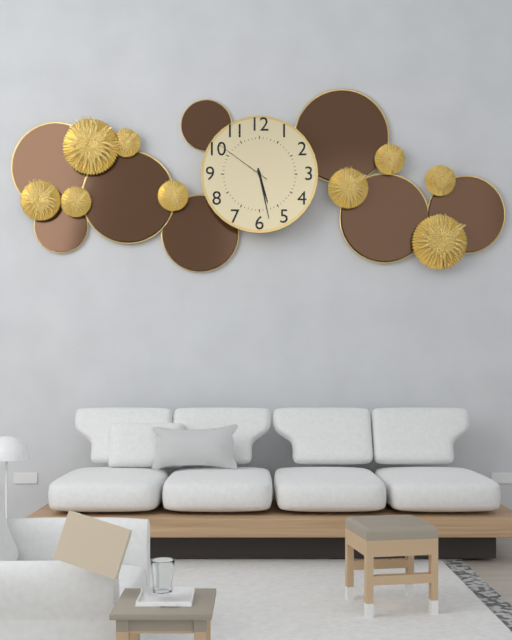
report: 5h28m51s
